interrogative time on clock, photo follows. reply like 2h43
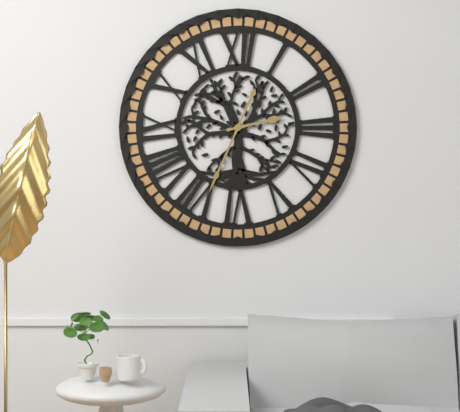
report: 2h34
